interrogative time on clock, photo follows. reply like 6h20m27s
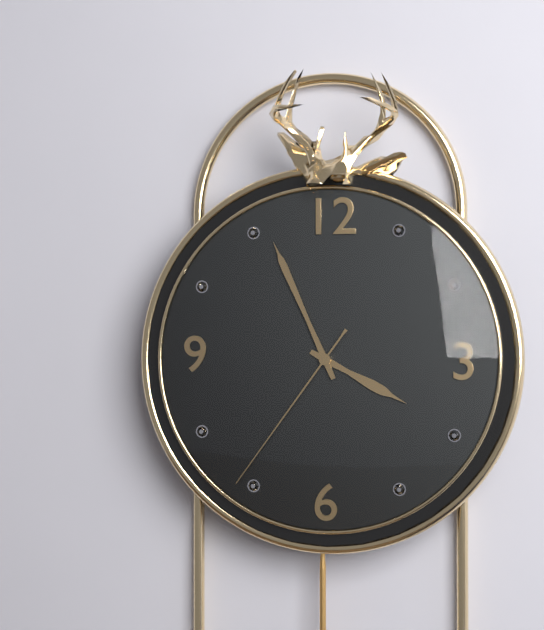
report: 3h56m36s
